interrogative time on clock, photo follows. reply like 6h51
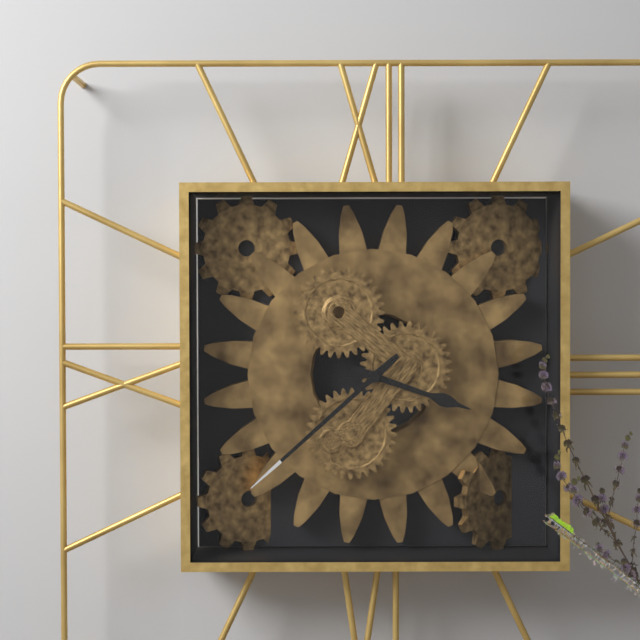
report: 3h38
